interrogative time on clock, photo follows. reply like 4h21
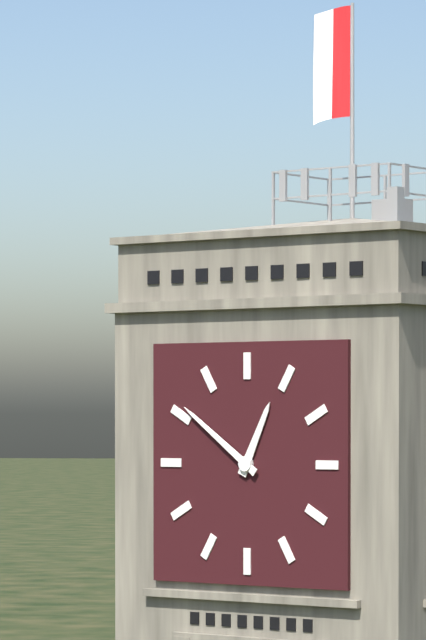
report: 12h51
